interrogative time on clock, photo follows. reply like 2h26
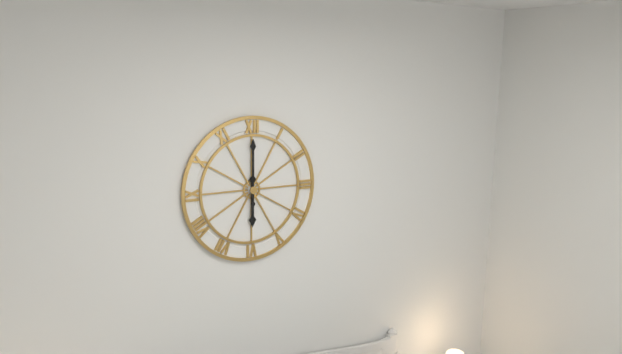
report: 6h00
